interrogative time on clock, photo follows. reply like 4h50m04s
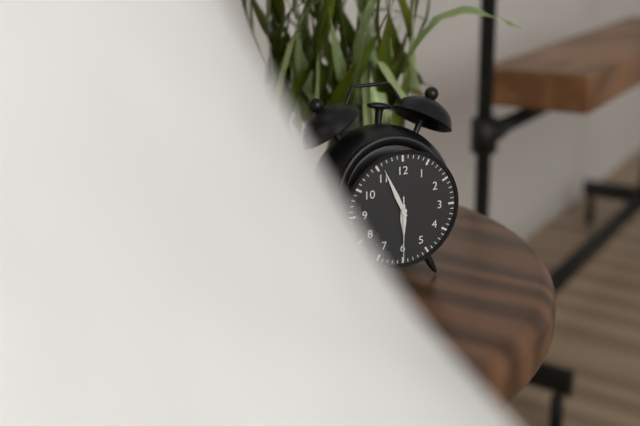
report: 5h56m30s
